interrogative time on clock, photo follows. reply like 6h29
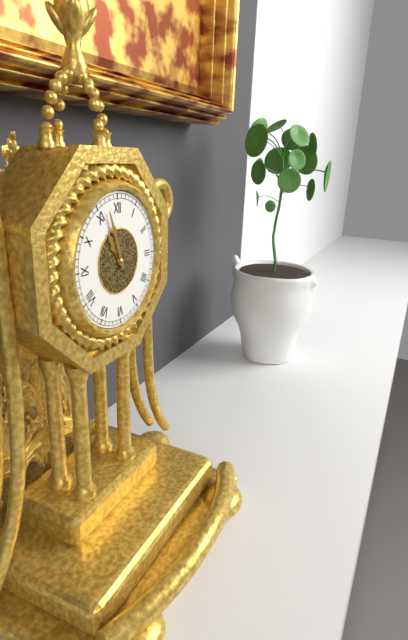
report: 10h57
